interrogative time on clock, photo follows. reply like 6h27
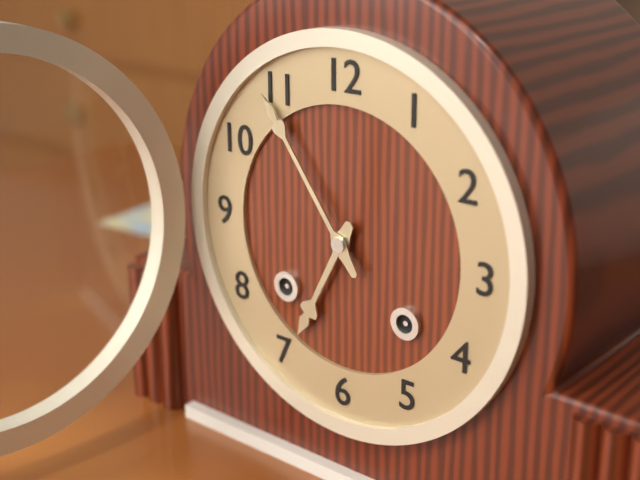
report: 6h54
